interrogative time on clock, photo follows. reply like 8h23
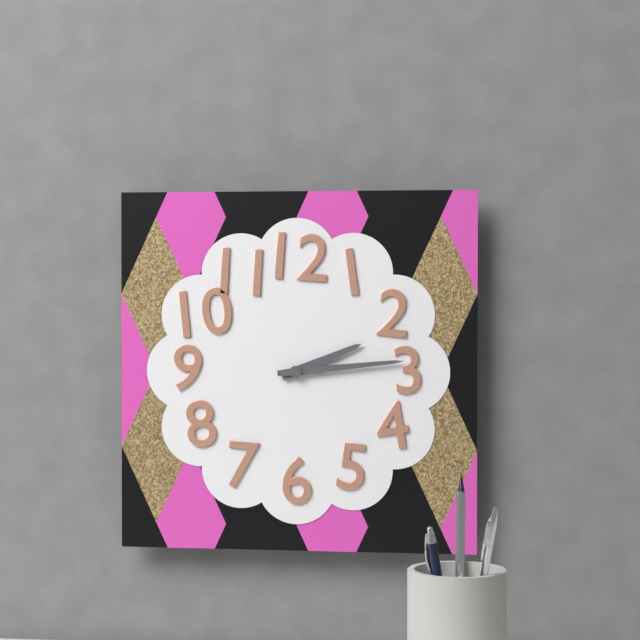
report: 2h14
